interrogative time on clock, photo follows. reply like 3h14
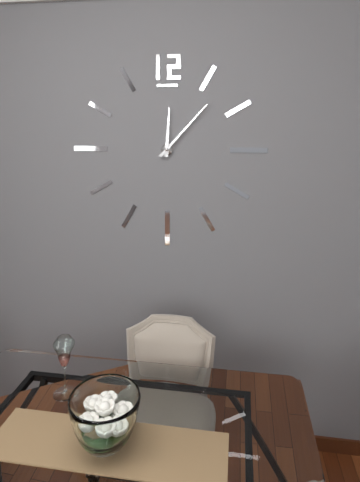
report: 12h07
